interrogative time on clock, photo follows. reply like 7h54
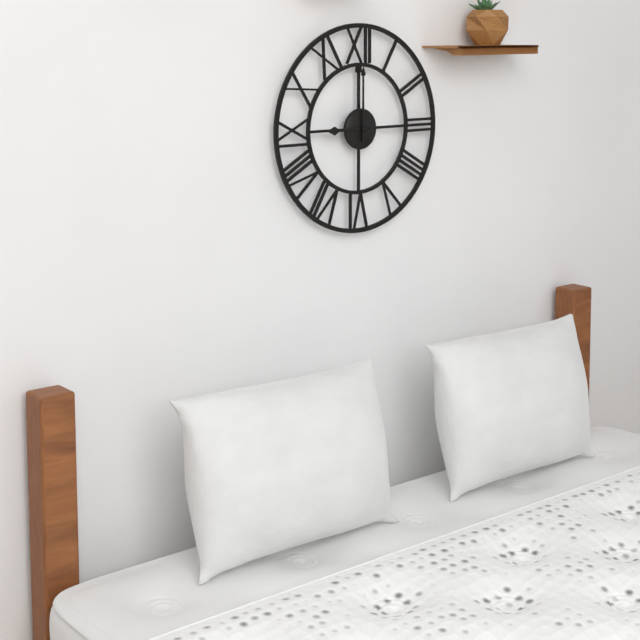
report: 9h00
